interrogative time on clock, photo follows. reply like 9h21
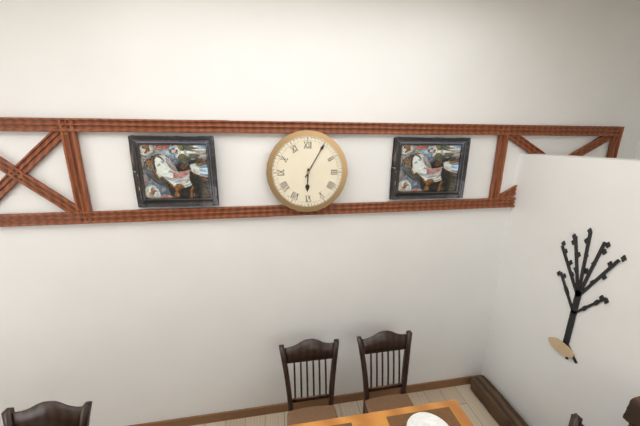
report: 6h05
